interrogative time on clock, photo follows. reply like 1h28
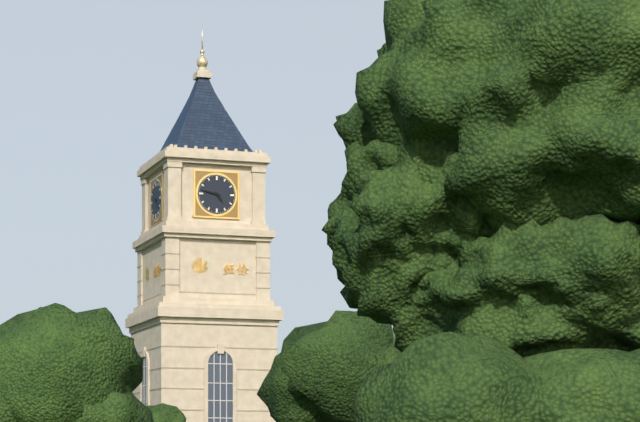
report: 4h47
